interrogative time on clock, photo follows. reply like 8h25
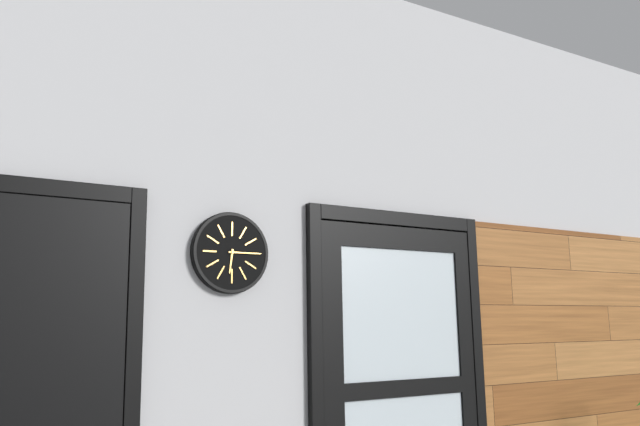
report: 6h15
